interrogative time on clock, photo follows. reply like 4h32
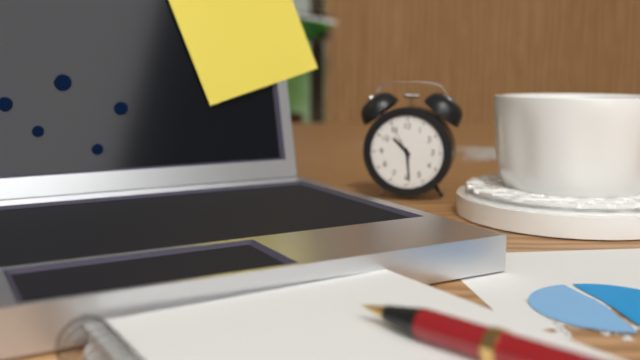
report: 10h29
